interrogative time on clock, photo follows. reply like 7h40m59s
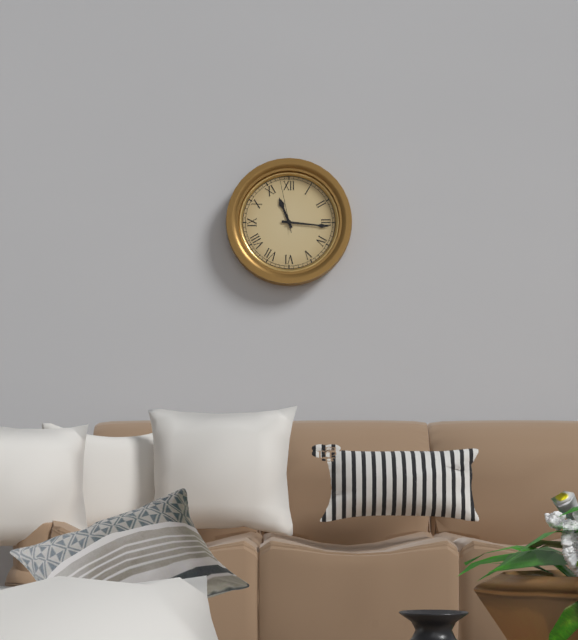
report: 11h16m58s
